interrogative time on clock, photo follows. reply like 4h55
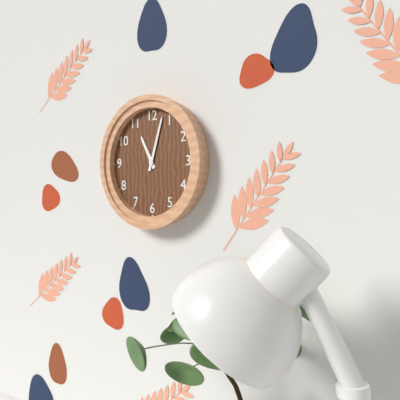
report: 11h03
